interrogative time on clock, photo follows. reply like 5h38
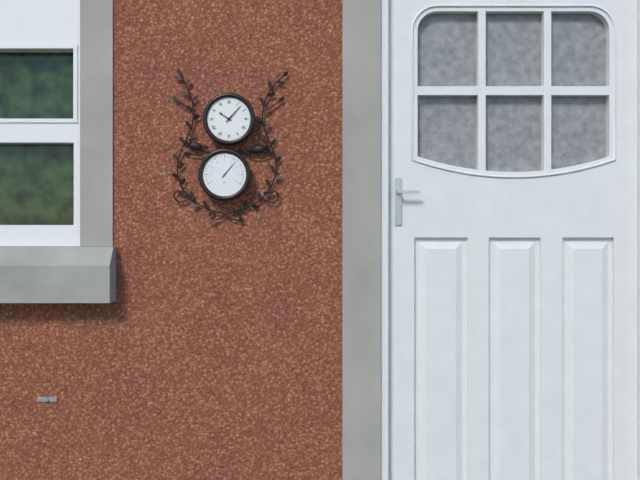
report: 10h07
